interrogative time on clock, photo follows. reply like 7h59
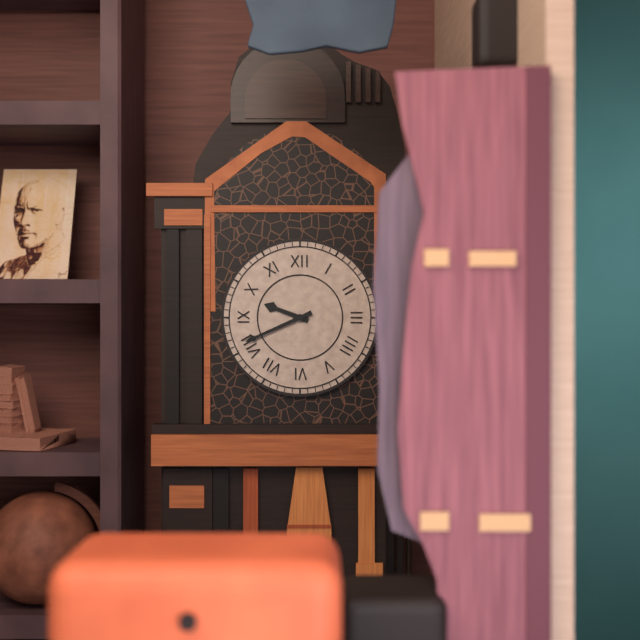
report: 9h41
